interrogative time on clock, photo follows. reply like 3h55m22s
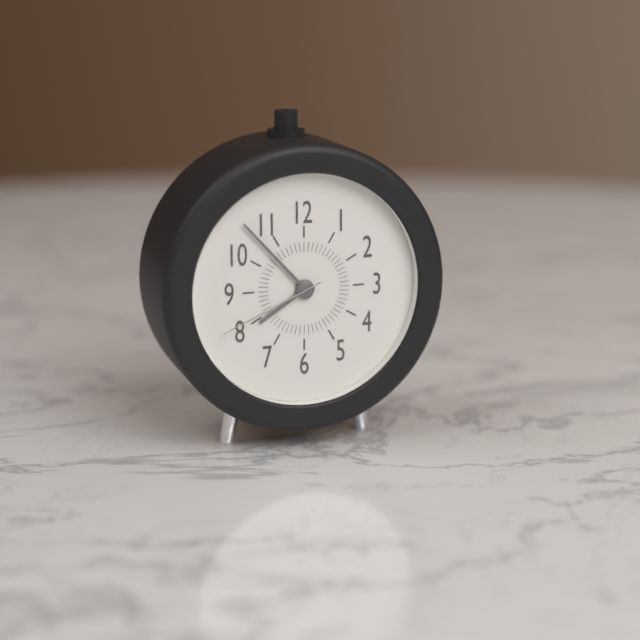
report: 7h53m41s
